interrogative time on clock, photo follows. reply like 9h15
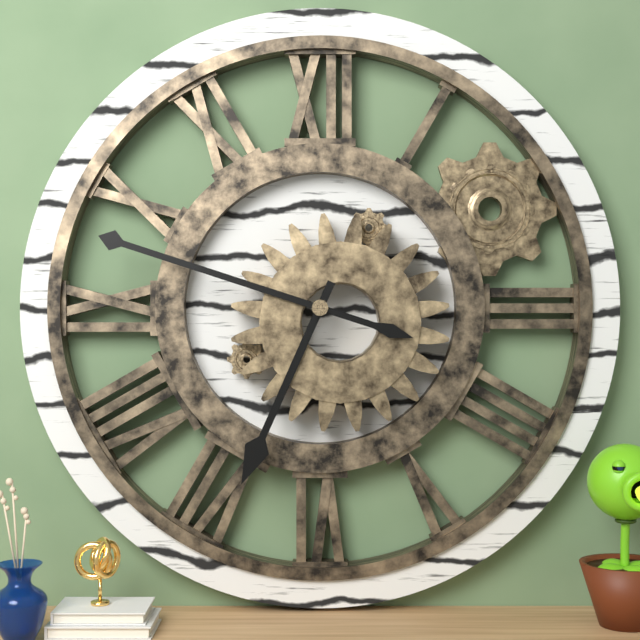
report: 6h48
